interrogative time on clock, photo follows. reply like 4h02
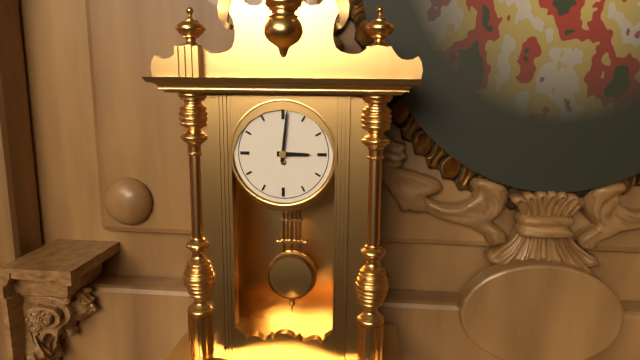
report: 3h01
